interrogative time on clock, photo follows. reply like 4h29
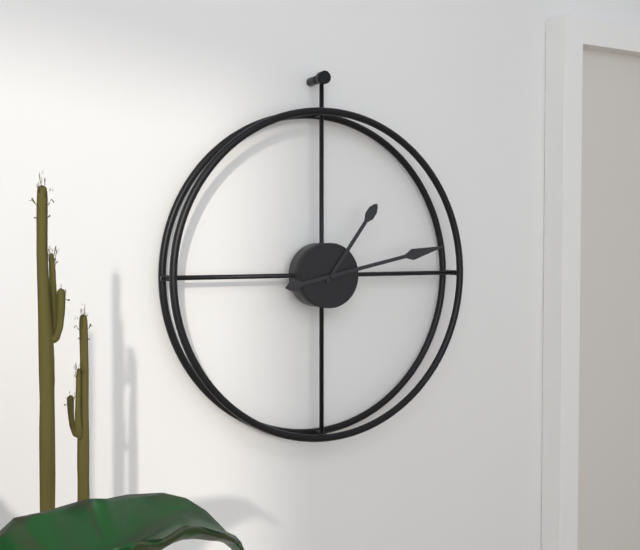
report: 1h13
